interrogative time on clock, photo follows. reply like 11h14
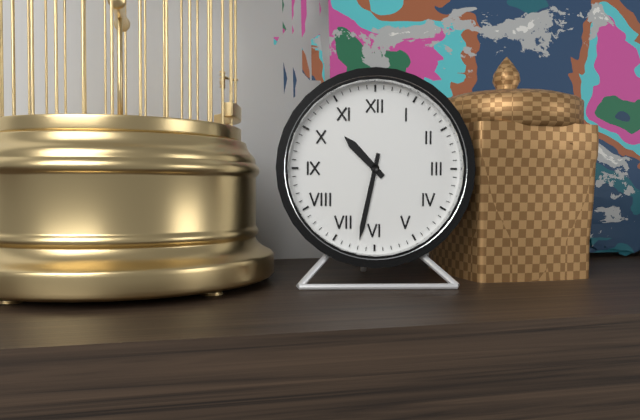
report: 10h32
